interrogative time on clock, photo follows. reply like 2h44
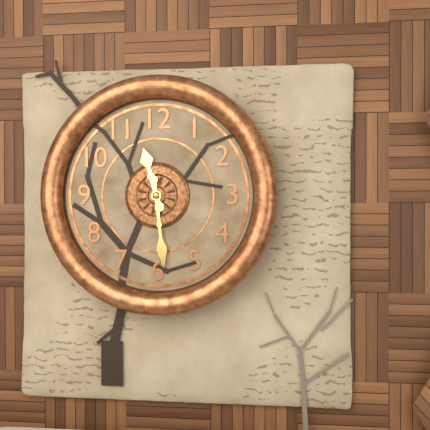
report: 11h29
